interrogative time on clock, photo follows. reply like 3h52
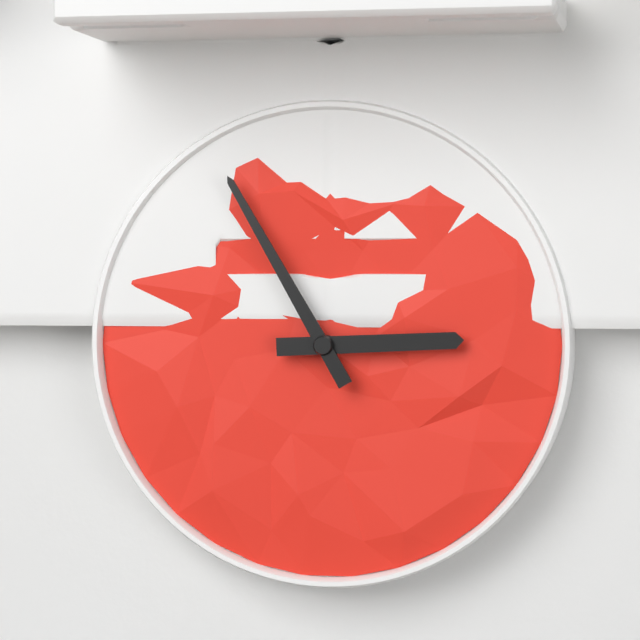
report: 2h55
